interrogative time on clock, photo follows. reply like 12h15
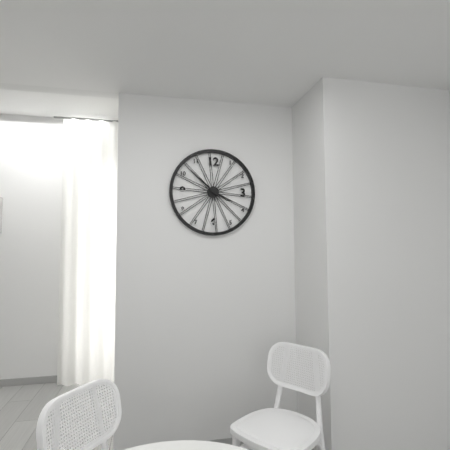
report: 3h52
